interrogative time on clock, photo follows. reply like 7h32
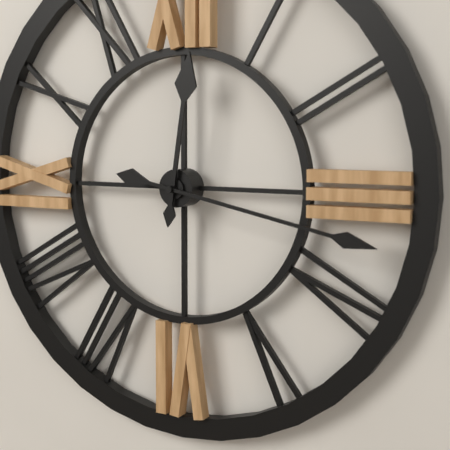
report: 12h17
